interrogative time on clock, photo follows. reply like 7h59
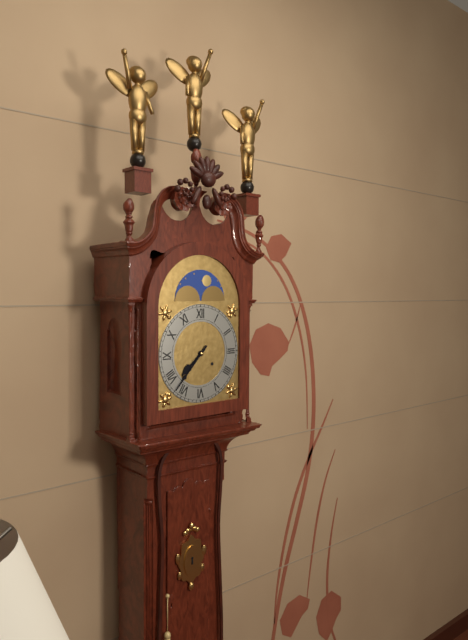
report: 7h37
